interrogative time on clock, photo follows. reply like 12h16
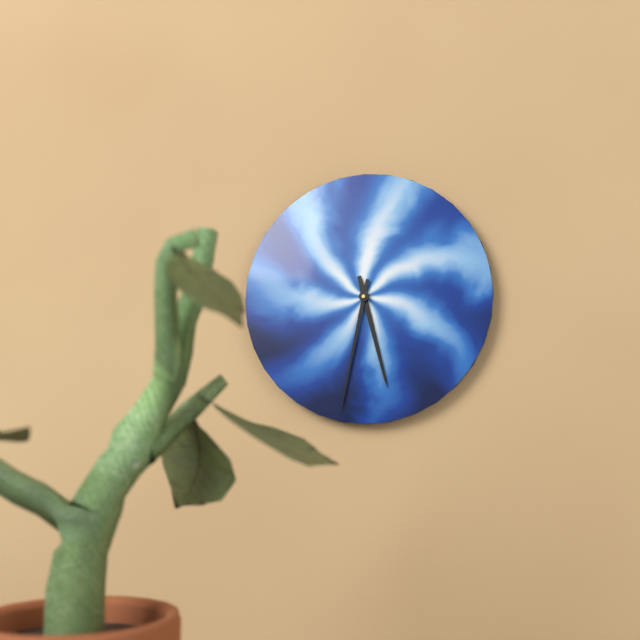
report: 5h32
